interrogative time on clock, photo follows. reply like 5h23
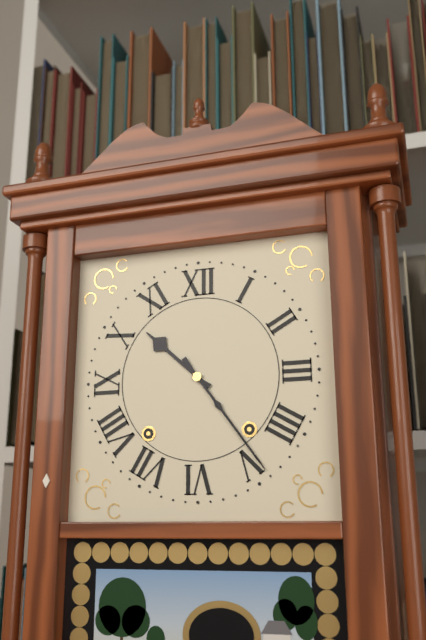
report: 10h24
